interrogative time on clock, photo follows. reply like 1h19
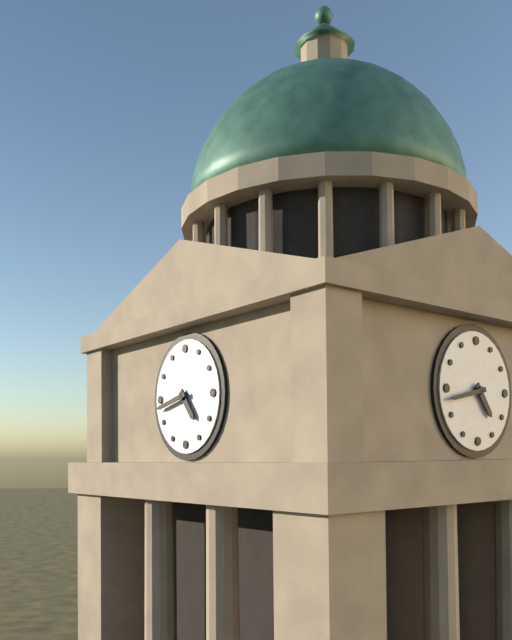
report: 4h43
